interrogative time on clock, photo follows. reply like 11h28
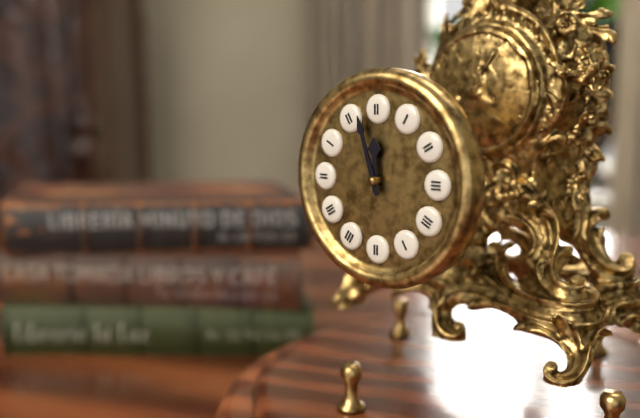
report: 11h57
